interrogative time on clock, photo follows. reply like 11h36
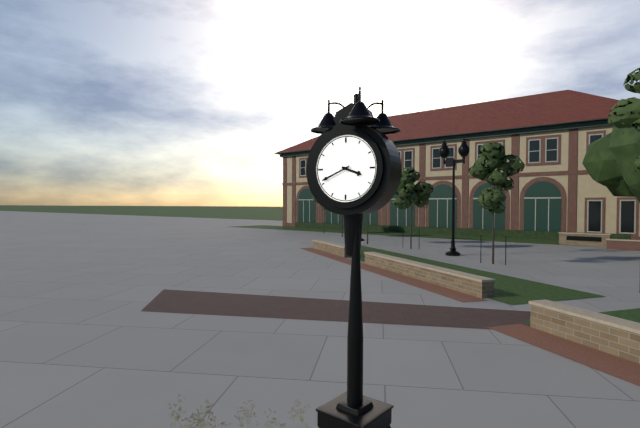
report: 3h41
